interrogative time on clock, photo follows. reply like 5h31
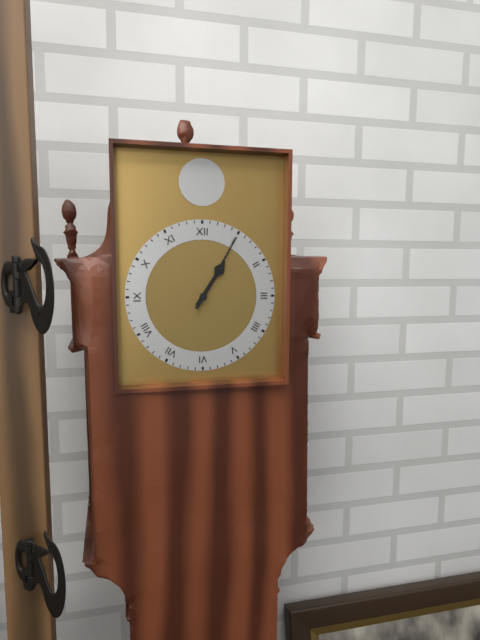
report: 1h05
